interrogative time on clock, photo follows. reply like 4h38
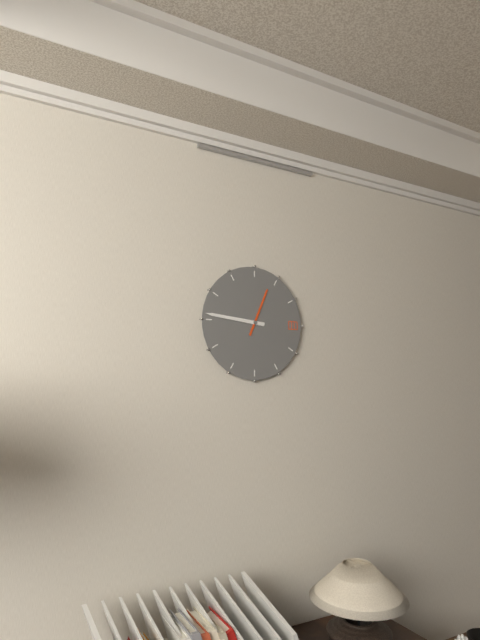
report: 12h46
